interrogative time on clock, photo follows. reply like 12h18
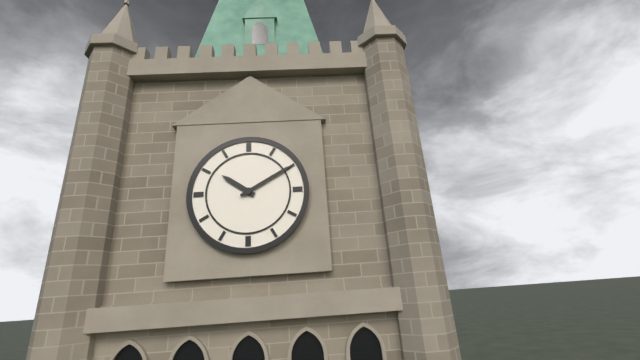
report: 10h10
